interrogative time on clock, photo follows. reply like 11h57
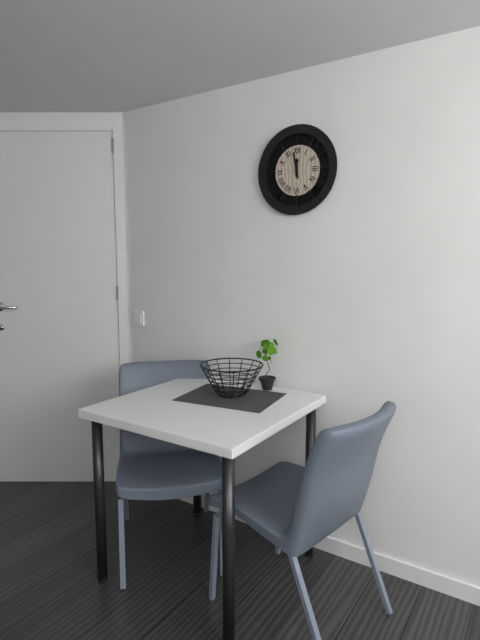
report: 11h58
